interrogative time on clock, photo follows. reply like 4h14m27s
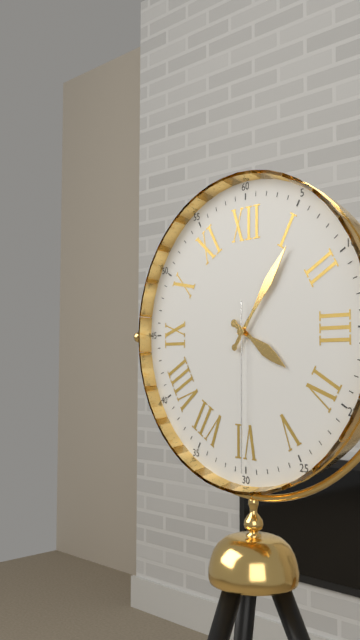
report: 4h06m30s
